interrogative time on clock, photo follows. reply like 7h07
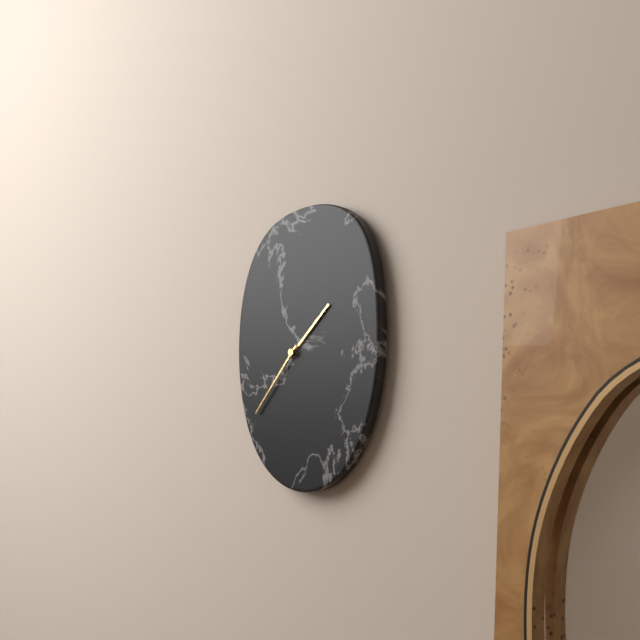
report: 1h37
